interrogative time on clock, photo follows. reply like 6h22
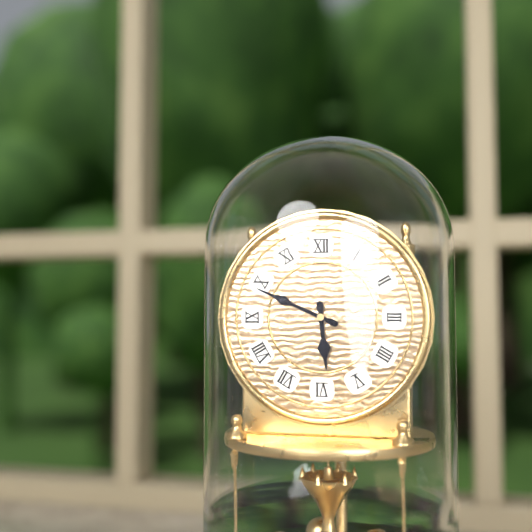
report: 5h49
